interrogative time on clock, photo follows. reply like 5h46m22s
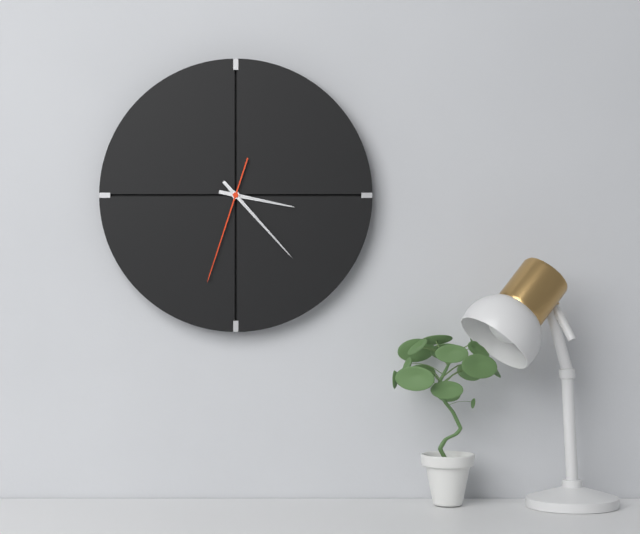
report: 3h23m33s
